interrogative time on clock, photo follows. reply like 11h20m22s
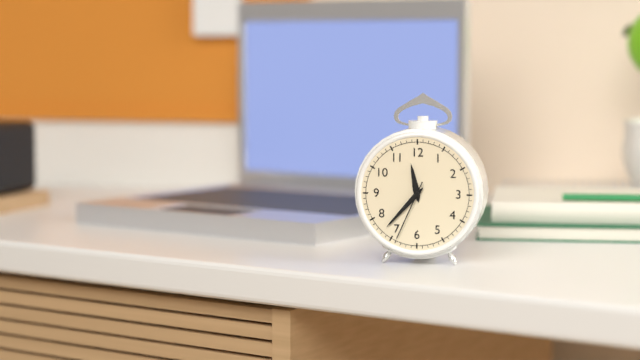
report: 11h37m34s
